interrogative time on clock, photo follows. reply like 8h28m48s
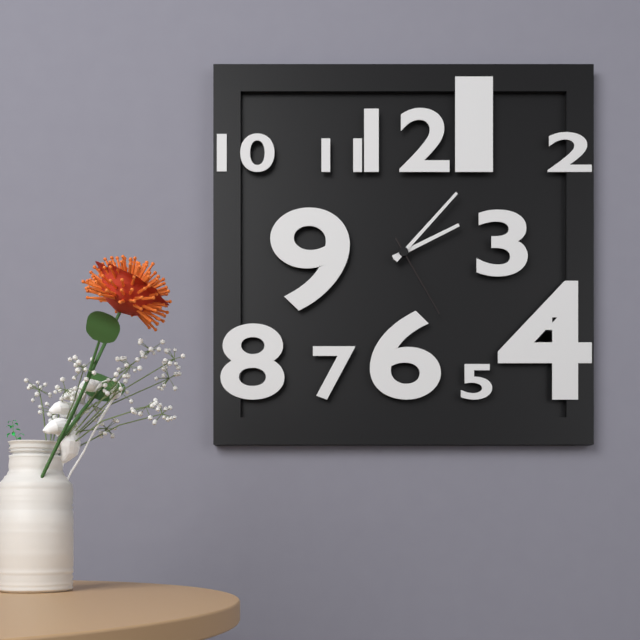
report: 2h07m25s
